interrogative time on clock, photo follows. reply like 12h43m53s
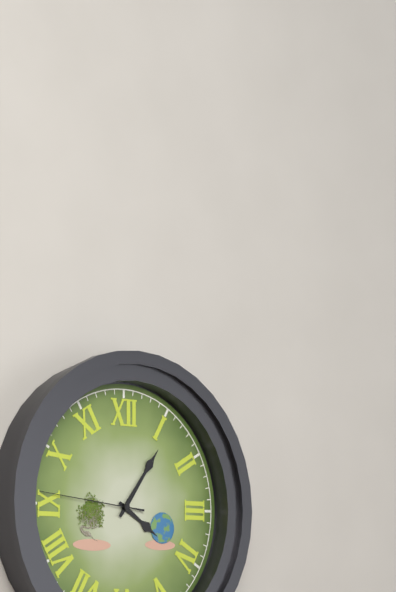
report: 4h06m46s
